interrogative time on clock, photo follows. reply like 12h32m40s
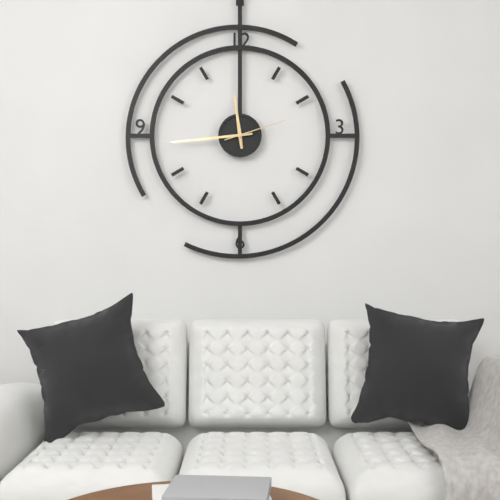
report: 11h44m12s
